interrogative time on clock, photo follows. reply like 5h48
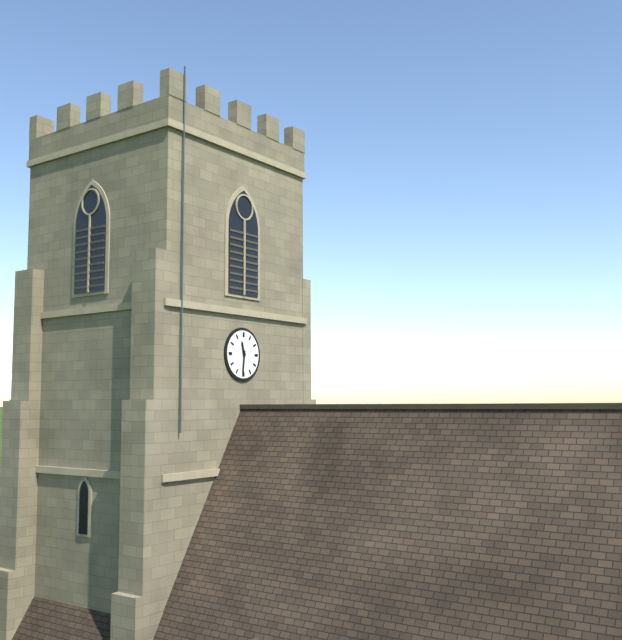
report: 11h31
